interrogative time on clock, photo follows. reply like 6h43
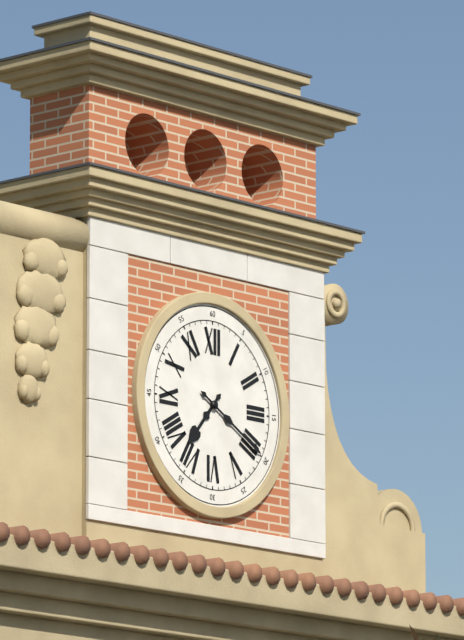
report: 7h20
